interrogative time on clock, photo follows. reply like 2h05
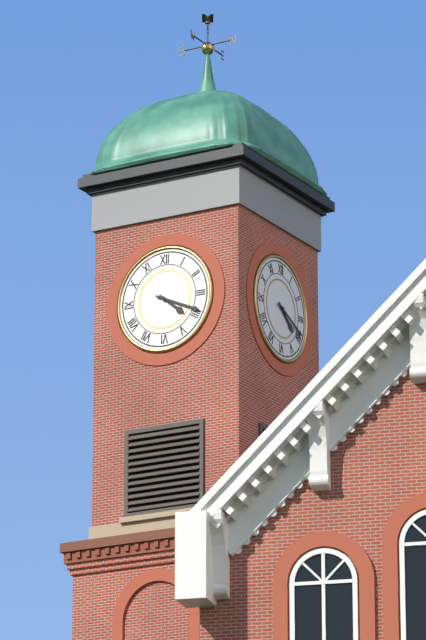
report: 4h19
